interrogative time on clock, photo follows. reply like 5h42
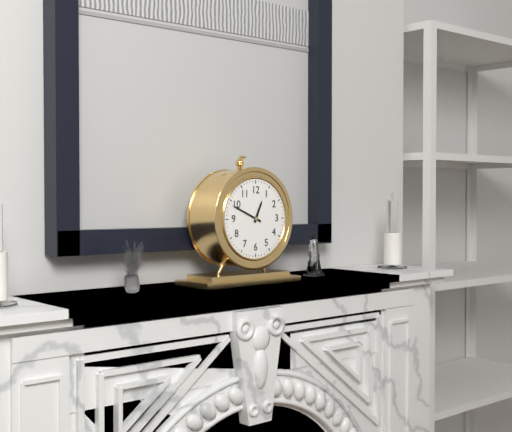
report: 12h49
